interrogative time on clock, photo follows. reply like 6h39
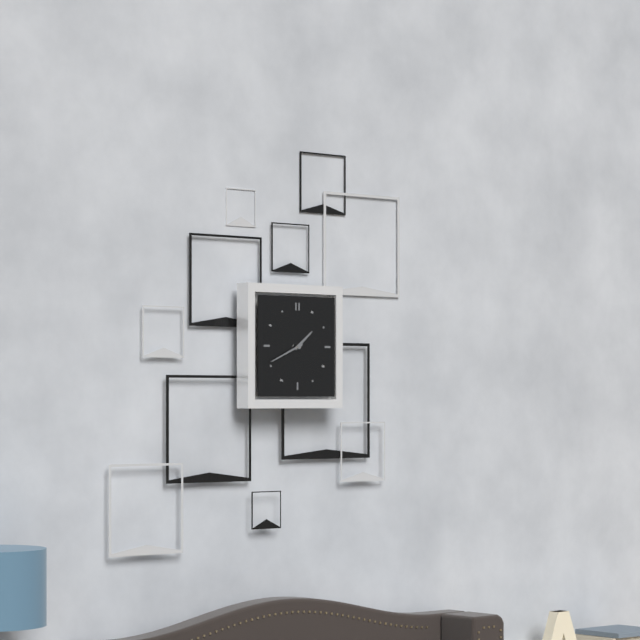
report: 1h41
